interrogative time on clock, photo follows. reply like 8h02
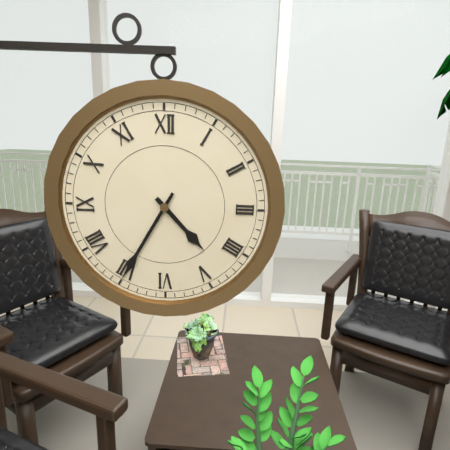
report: 4h35
